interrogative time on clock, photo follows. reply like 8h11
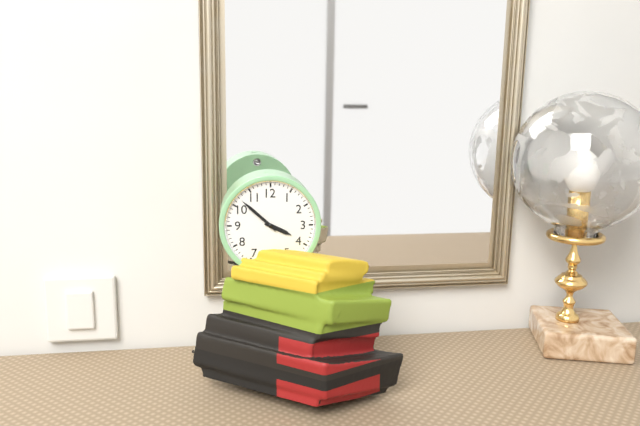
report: 3h52
